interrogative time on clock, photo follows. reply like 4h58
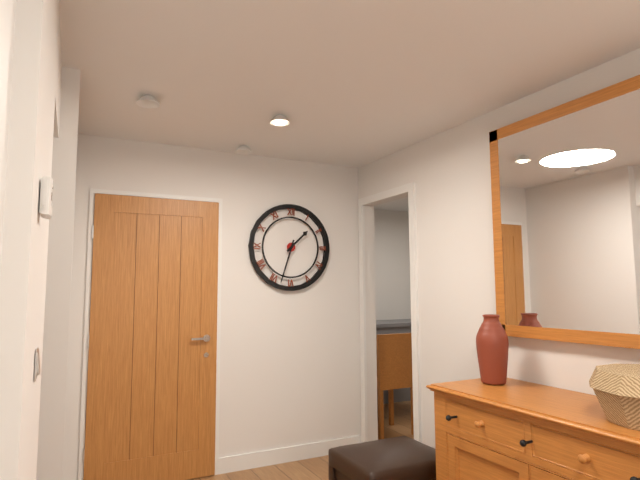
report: 1h33
